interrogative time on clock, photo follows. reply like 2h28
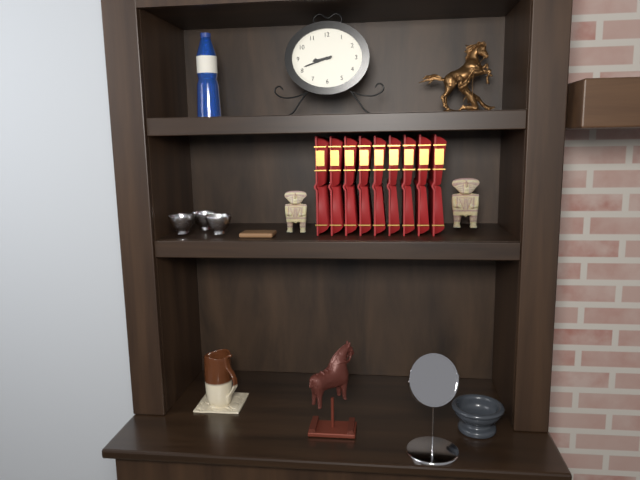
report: 8h42
